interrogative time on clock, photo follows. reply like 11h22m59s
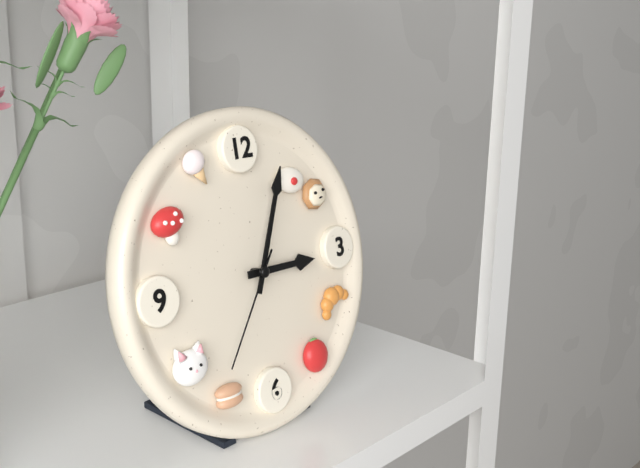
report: 3h04m36s
